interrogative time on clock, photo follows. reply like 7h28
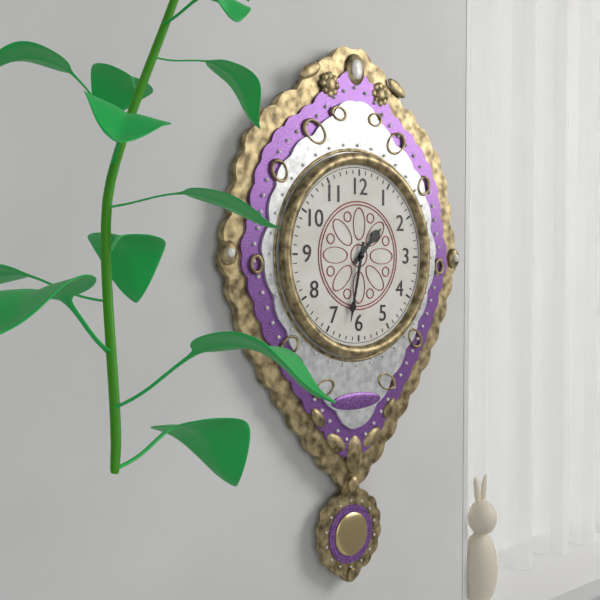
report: 1h32
